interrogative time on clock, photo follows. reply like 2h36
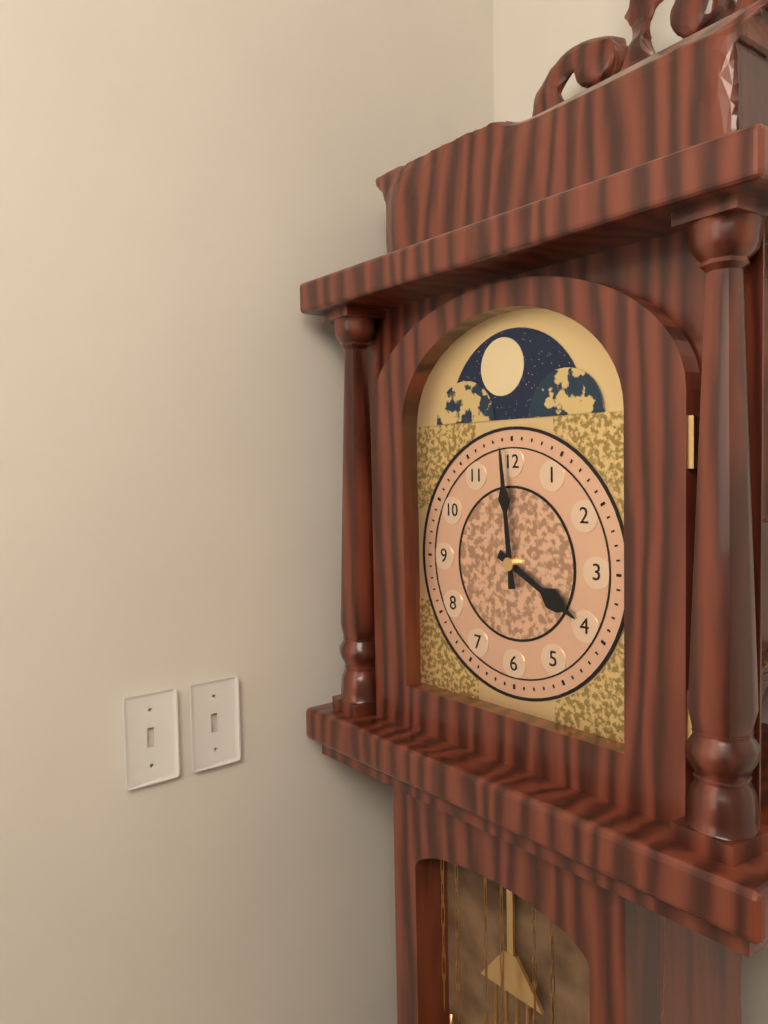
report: 3h59
